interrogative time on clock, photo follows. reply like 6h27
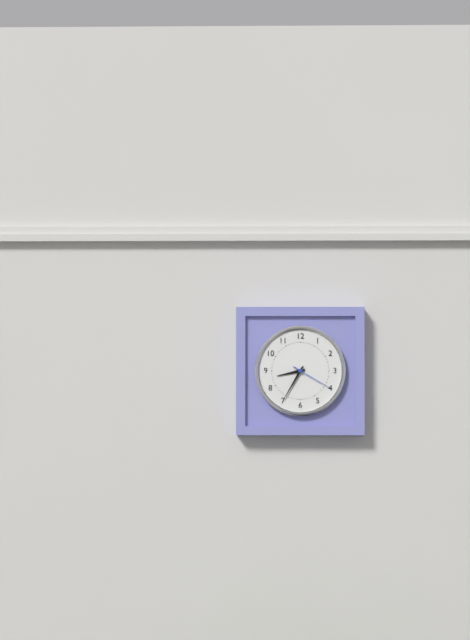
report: 8h35
